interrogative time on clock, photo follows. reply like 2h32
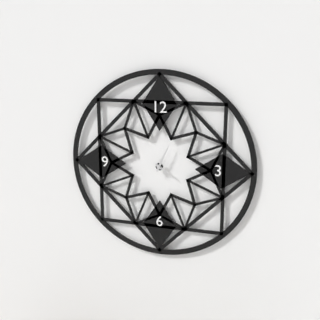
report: 4h04
